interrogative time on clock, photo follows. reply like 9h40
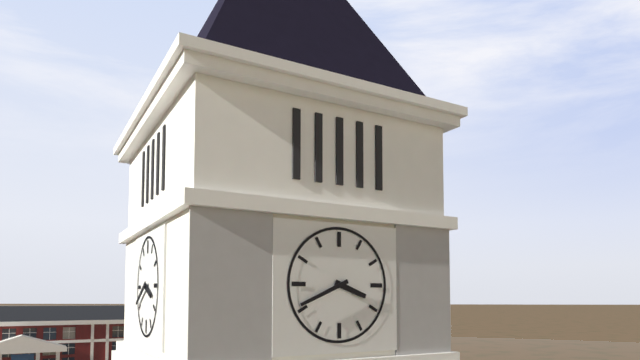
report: 3h41
